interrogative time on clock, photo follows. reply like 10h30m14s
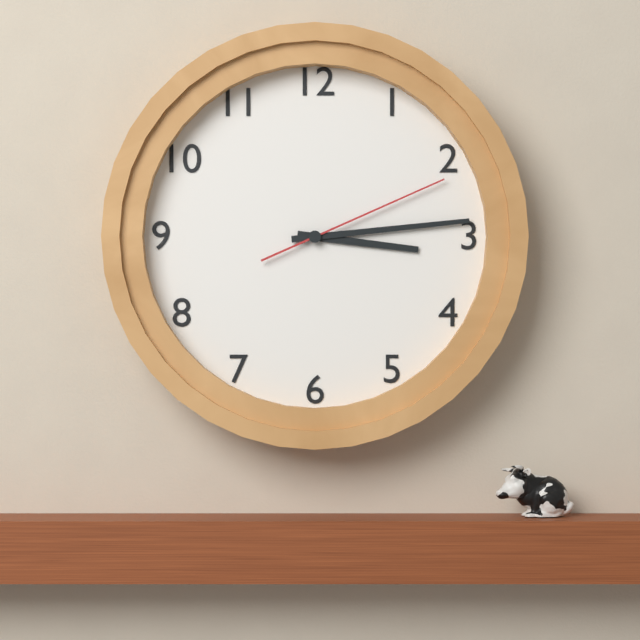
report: 3h14m11s
